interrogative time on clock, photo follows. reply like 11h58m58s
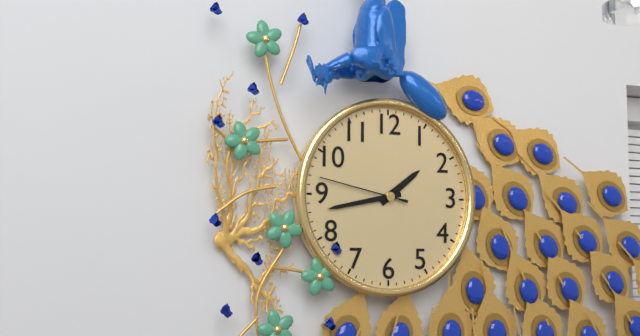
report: 1h43m47s
